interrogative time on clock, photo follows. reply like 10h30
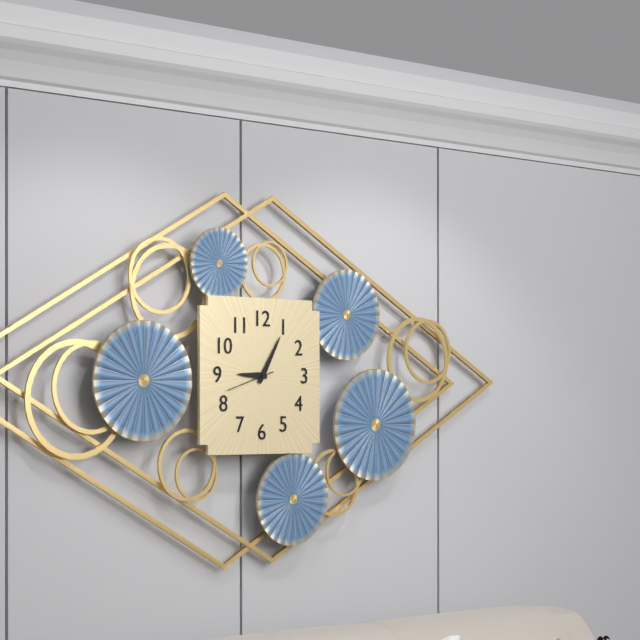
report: 9h05
